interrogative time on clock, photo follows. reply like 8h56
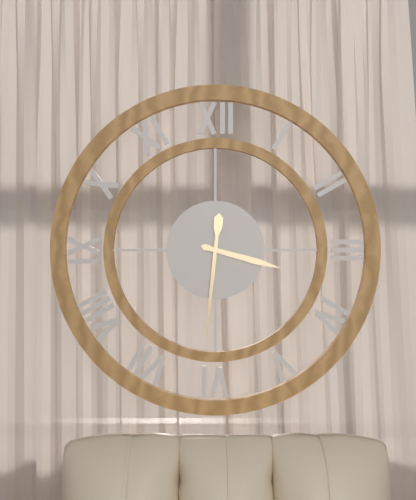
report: 3h31
